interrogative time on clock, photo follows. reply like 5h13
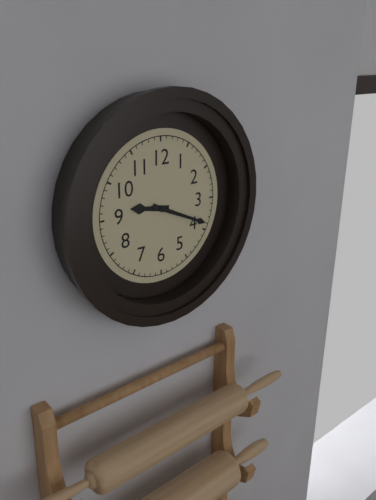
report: 9h19
